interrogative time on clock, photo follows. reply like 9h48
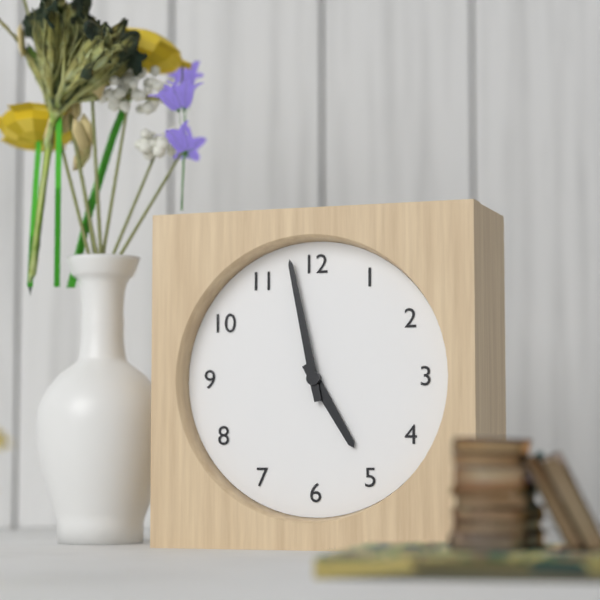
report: 4h58
